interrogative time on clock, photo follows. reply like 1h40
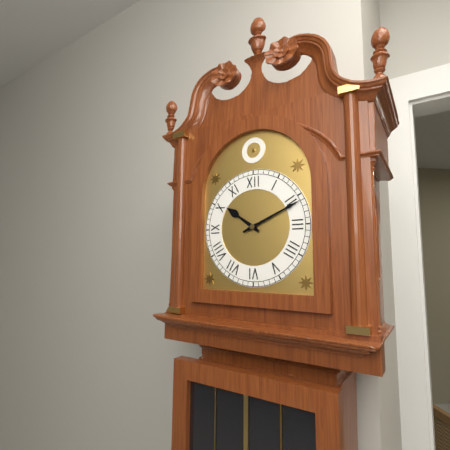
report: 10h11
